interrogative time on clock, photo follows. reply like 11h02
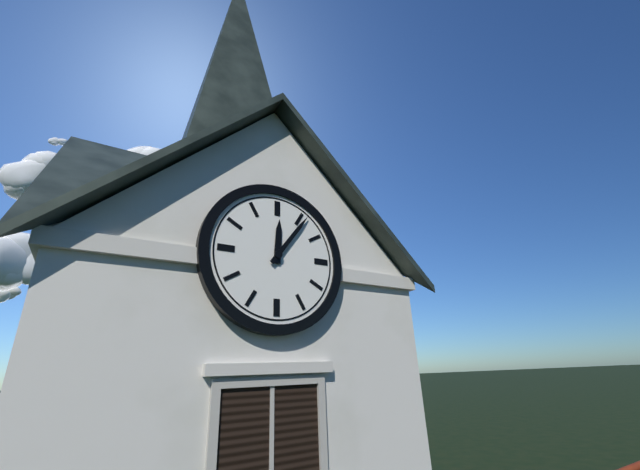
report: 12h06
